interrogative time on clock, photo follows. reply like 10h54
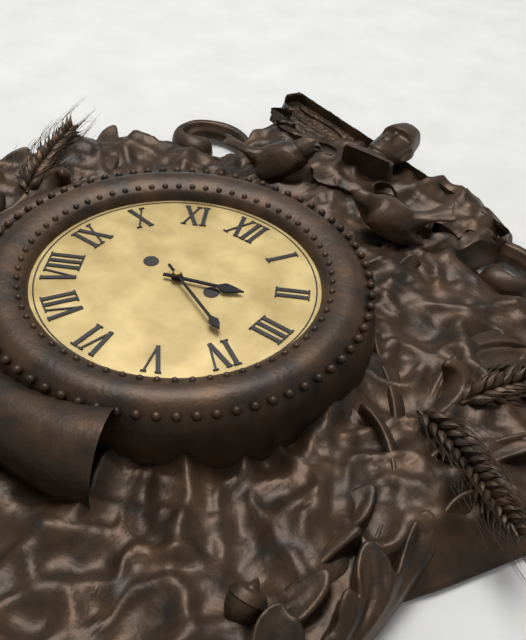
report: 2h19
